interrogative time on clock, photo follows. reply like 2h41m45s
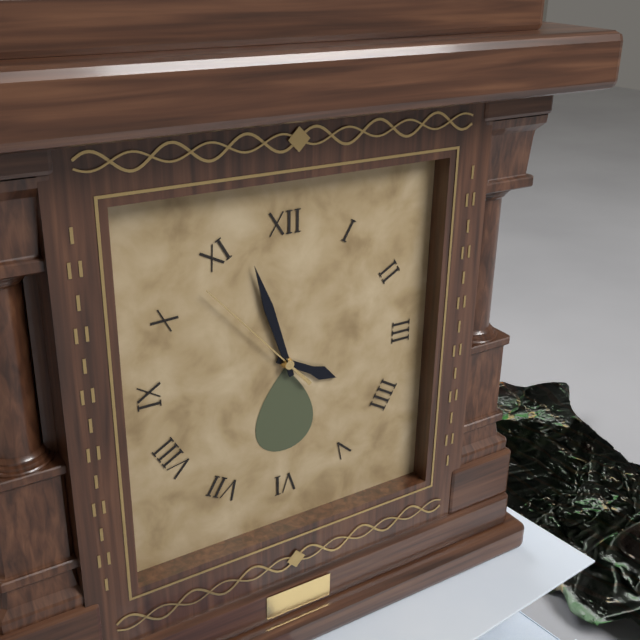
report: 3h57m53s
